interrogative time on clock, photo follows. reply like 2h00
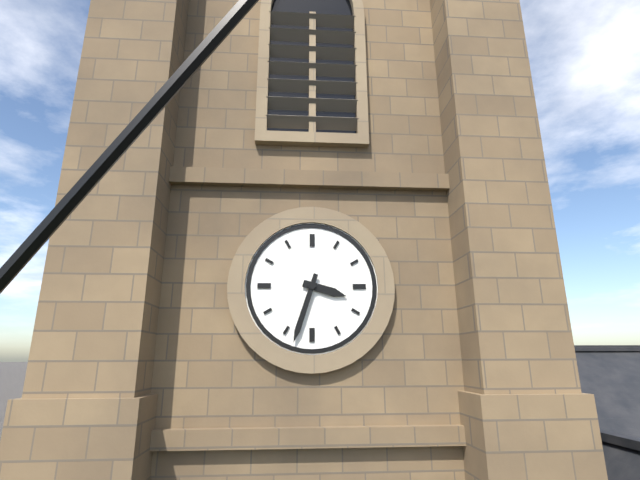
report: 3h33
